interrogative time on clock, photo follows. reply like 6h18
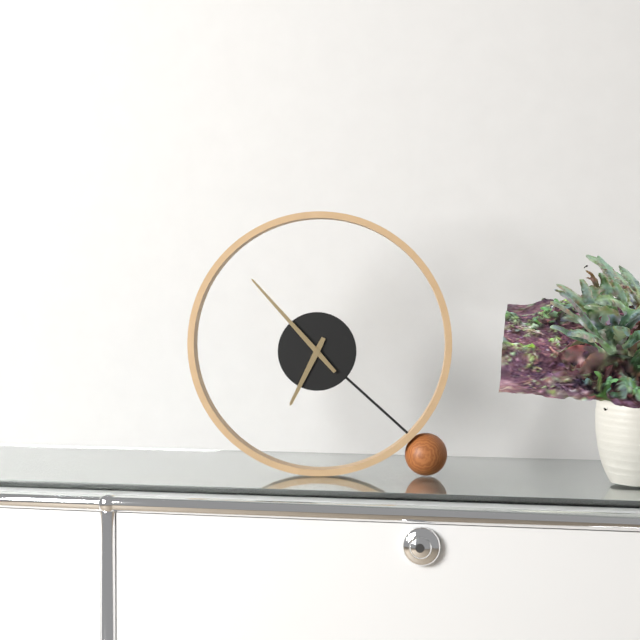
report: 6h53
